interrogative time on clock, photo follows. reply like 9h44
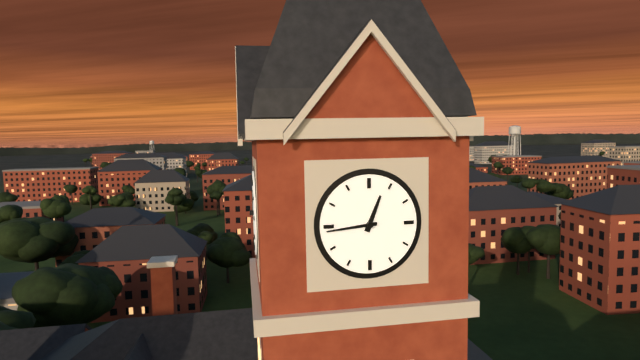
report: 12h44
